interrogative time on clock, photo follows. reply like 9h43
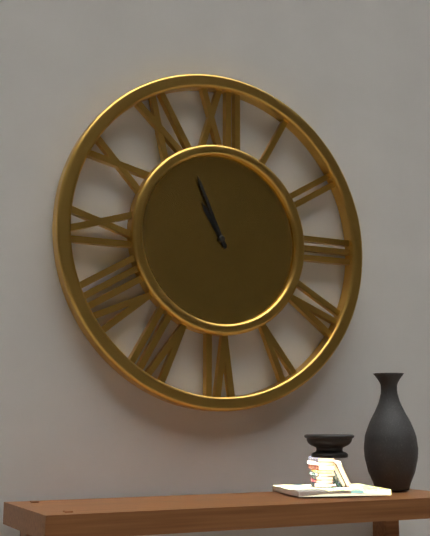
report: 10h56
